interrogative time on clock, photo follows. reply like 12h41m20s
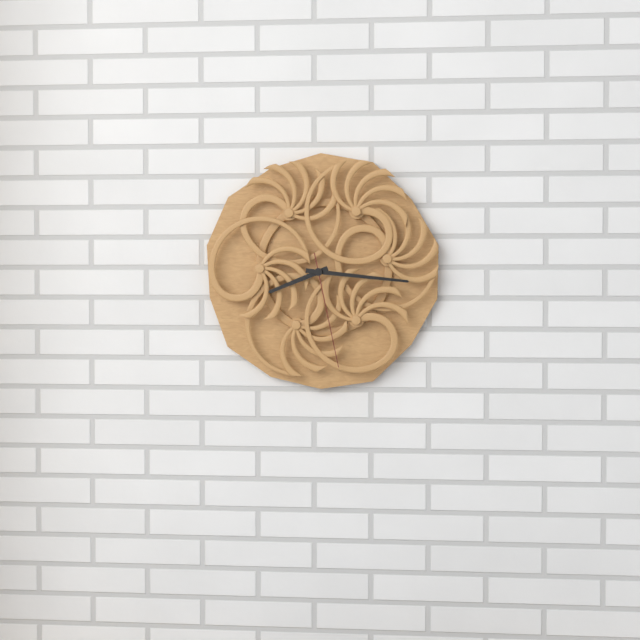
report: 8h16m28s
